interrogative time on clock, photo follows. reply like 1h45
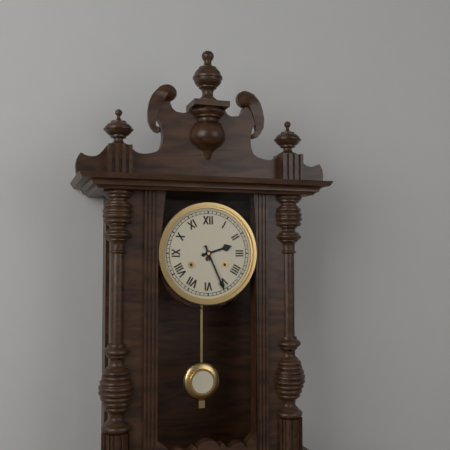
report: 2h26
